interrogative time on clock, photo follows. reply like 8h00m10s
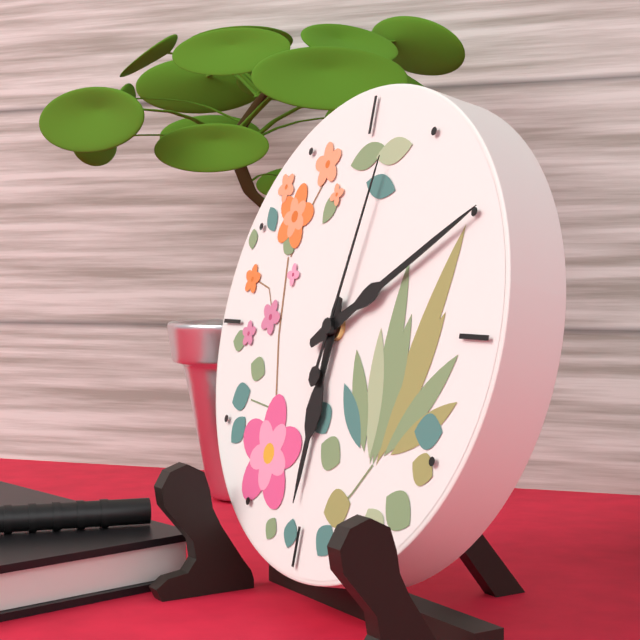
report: 6h10m02s
